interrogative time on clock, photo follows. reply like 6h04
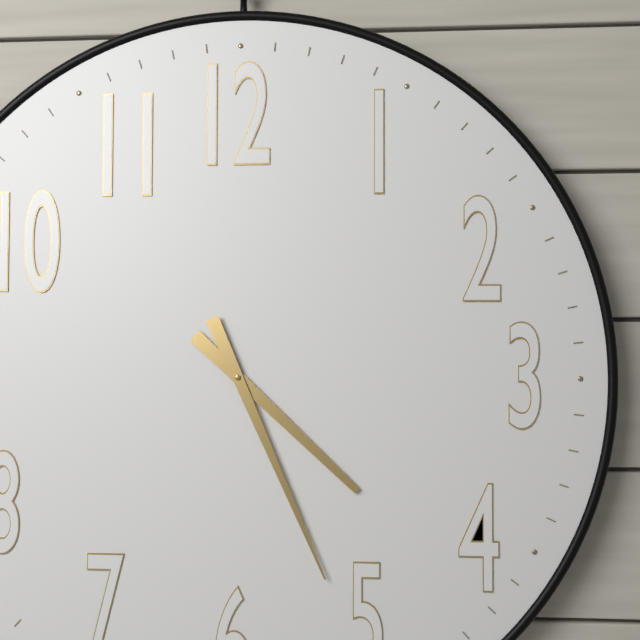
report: 4h26
